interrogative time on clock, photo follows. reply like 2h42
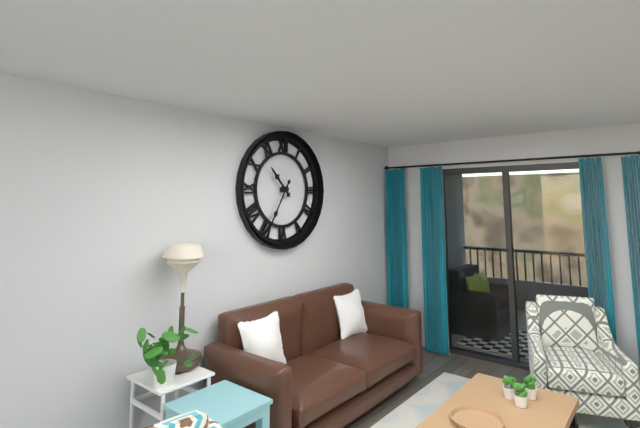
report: 10h35
